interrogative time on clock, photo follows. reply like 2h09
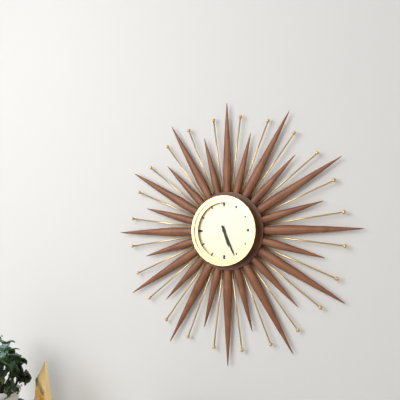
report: 5h26
